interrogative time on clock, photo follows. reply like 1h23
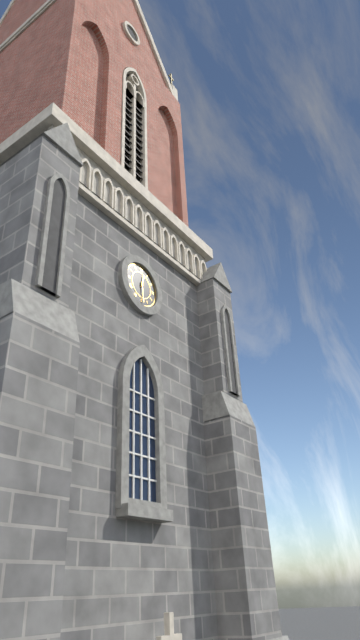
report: 12h29
